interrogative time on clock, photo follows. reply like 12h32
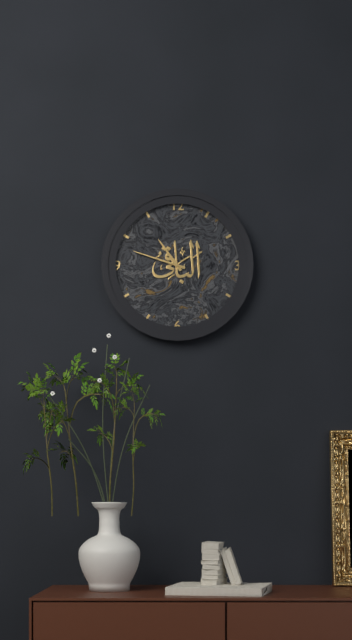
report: 10h48
